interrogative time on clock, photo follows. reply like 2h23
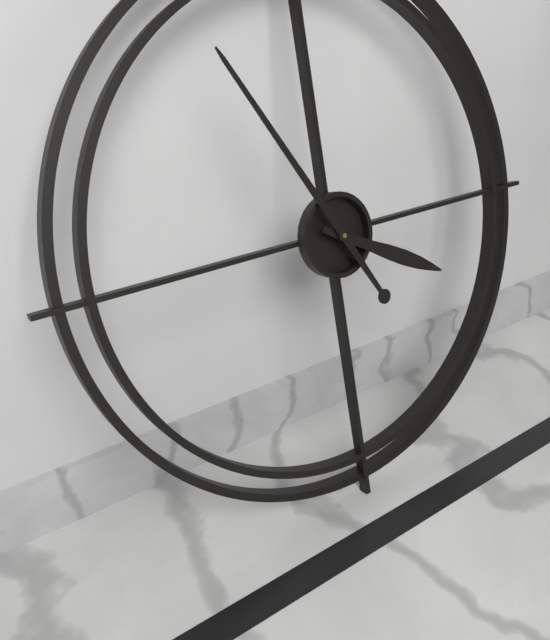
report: 3h55
